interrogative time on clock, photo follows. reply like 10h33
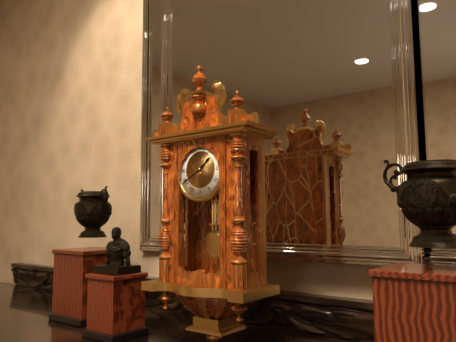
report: 1h40
